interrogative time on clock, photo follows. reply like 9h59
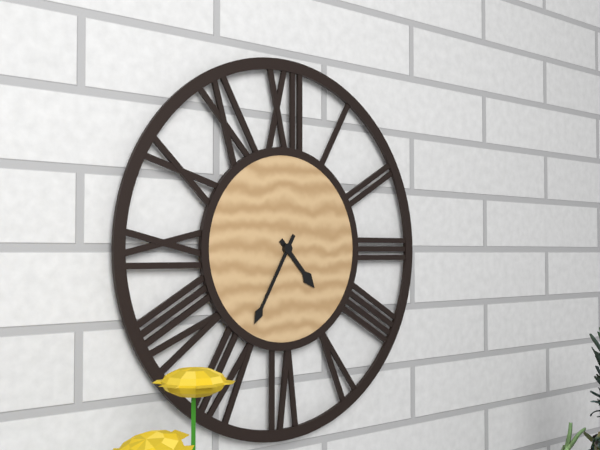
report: 4h35
